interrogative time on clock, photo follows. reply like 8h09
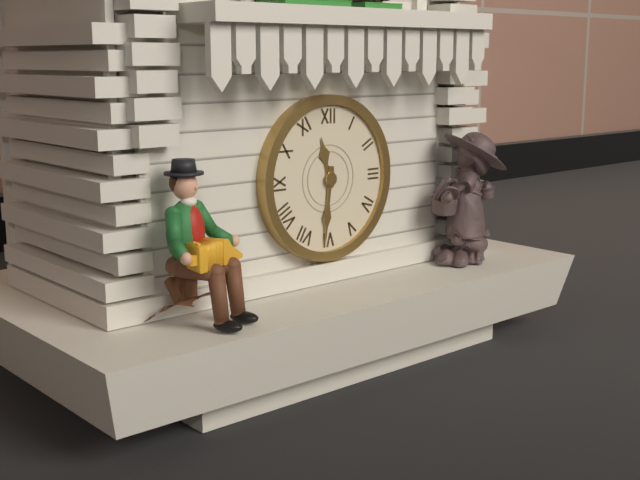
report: 11h31
